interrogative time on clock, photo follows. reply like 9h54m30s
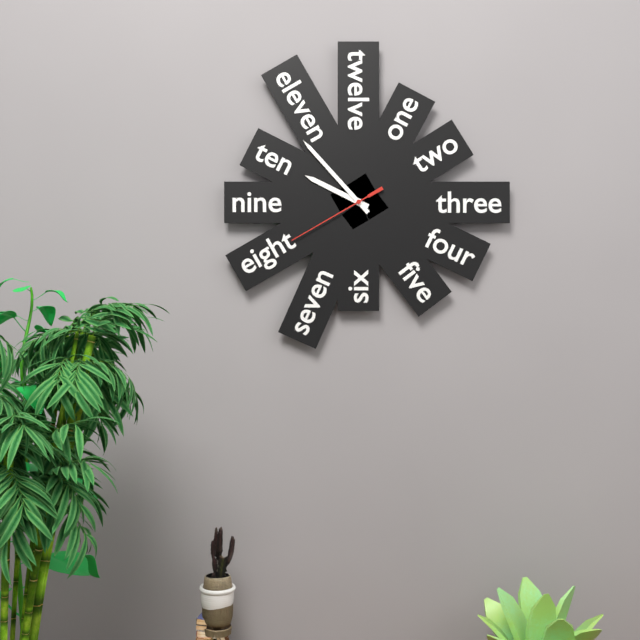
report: 9h53m40s
